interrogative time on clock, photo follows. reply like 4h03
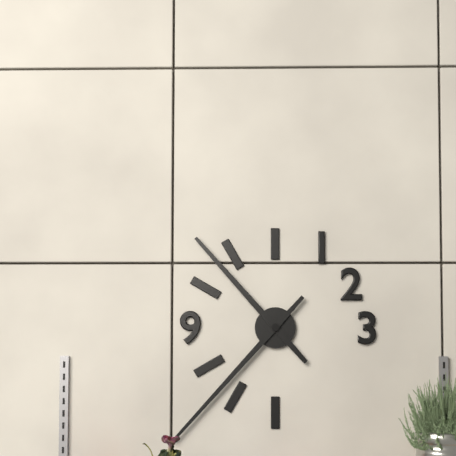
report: 10h37
